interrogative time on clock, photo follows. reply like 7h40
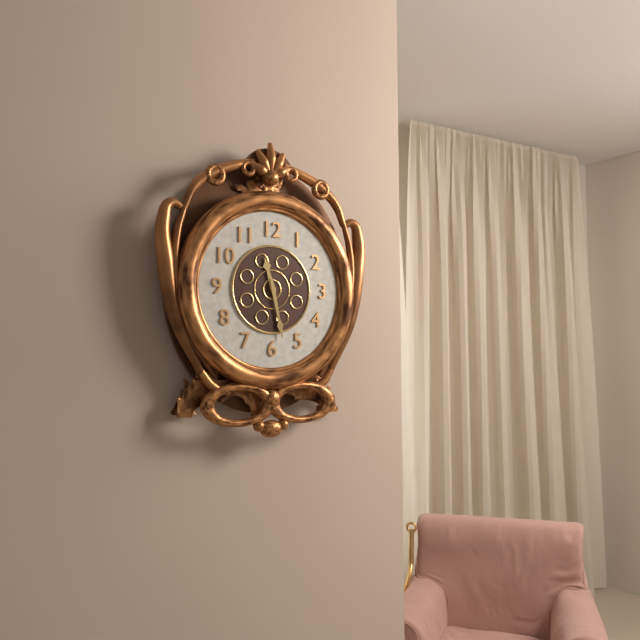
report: 11h28
